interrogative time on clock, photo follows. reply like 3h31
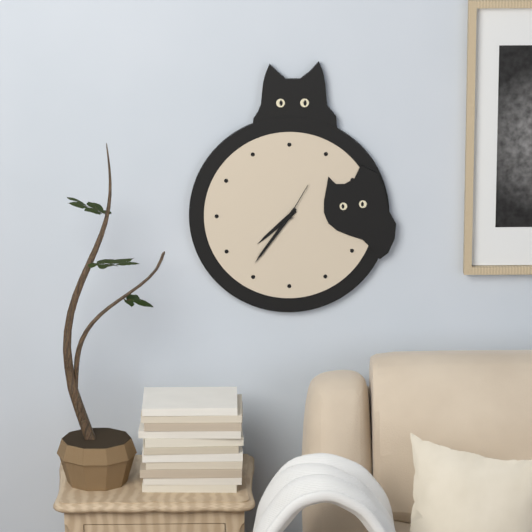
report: 7h36
